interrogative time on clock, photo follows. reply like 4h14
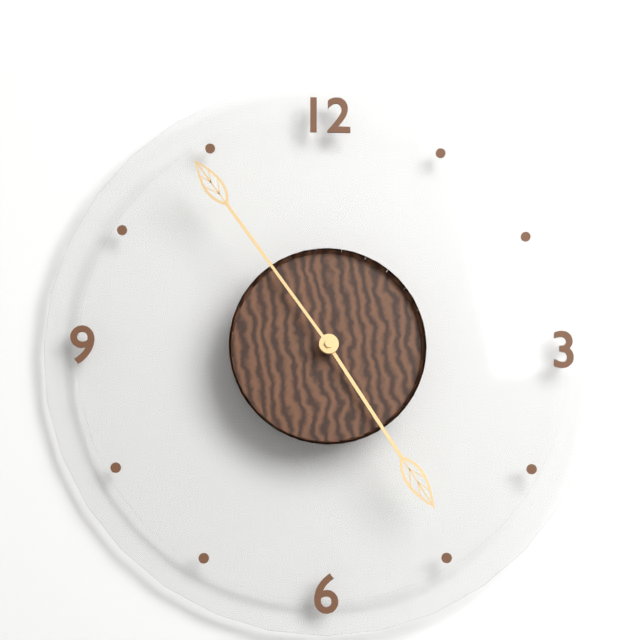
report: 4h54
